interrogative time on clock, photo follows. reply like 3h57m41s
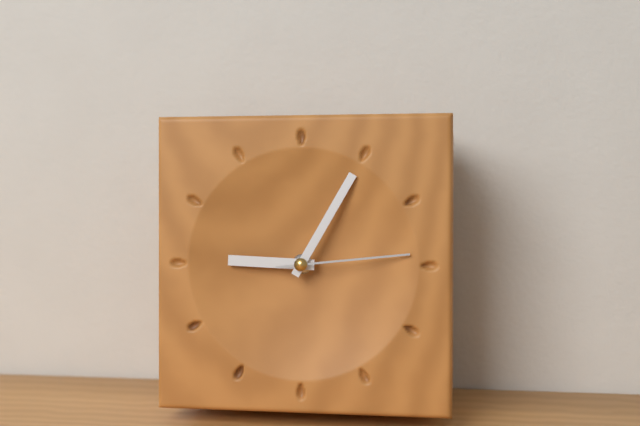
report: 9h05m14s
